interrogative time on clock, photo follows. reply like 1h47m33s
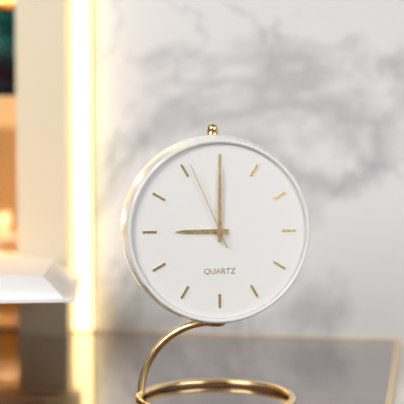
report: 9h00m56s
